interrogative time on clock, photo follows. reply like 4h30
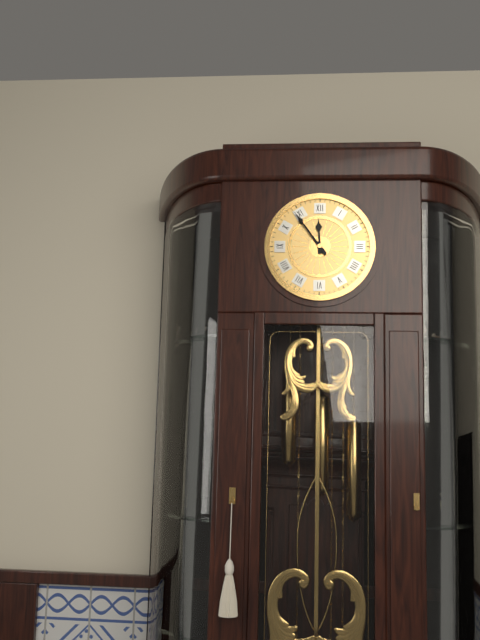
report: 11h54
